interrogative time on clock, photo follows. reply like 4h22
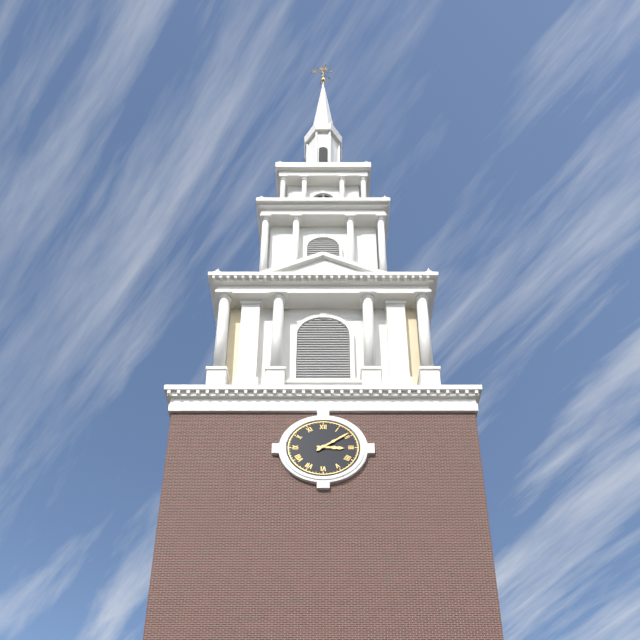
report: 3h09
